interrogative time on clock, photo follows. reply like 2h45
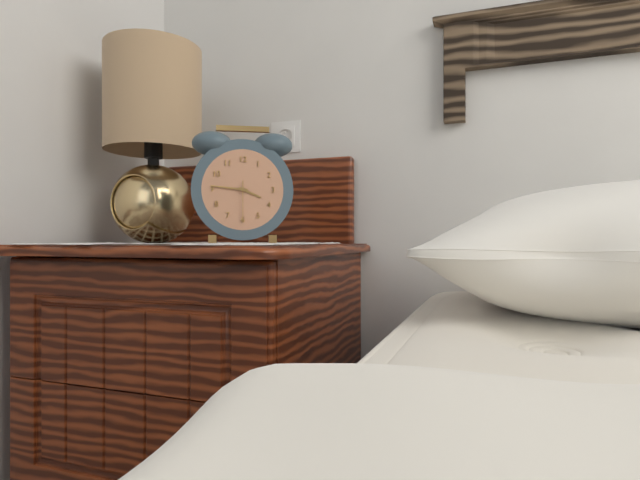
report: 3h46
